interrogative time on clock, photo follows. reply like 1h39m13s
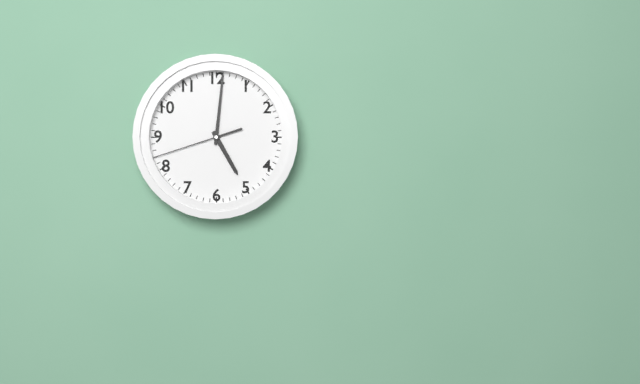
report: 5h01m42s
